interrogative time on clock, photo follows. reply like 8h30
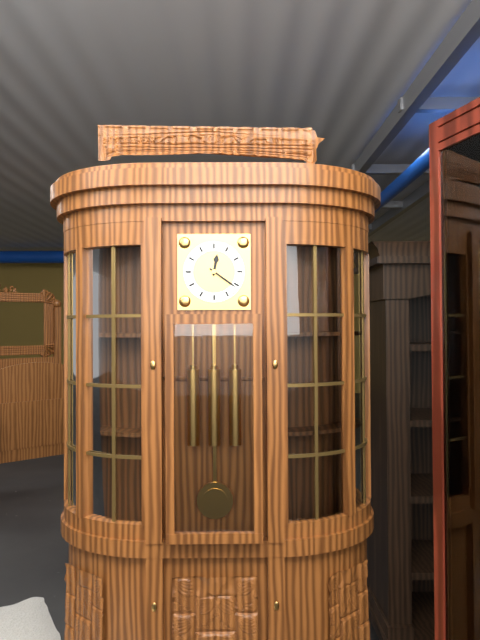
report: 12h21
